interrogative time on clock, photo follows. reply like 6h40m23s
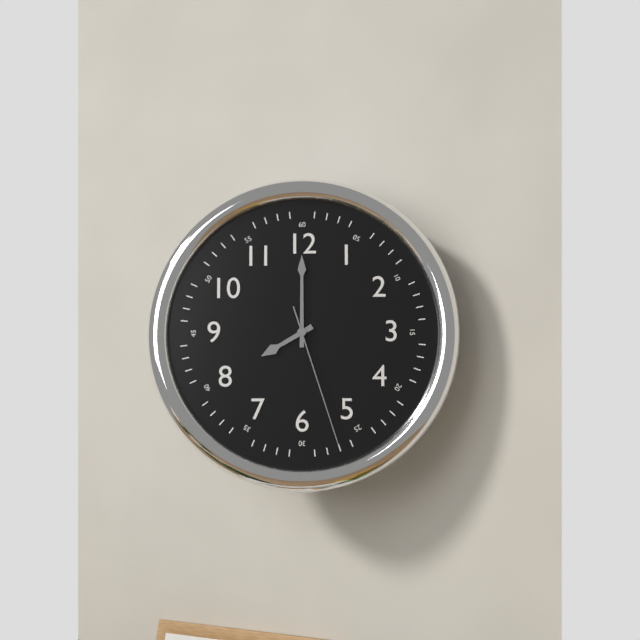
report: 8h00m27s
